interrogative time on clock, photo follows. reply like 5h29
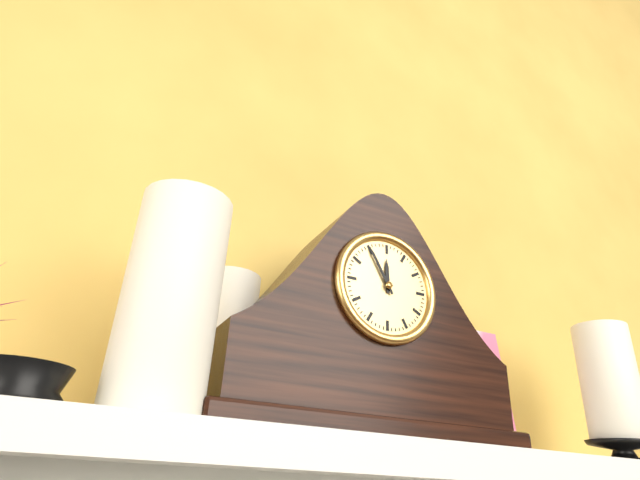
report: 11h55
